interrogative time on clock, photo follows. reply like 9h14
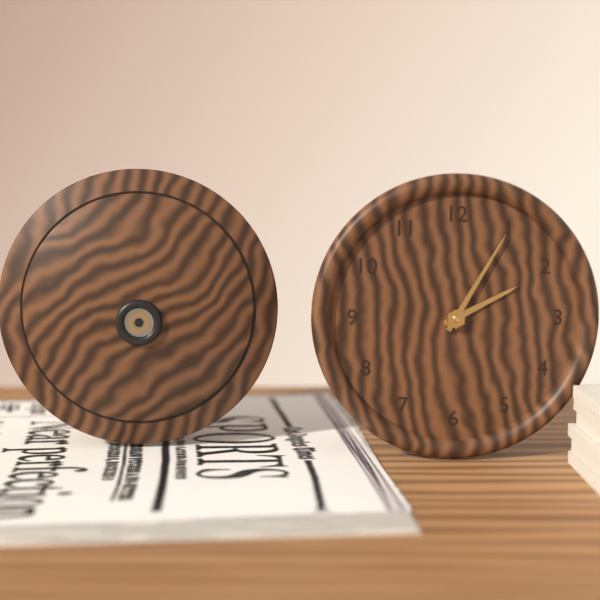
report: 2h05
